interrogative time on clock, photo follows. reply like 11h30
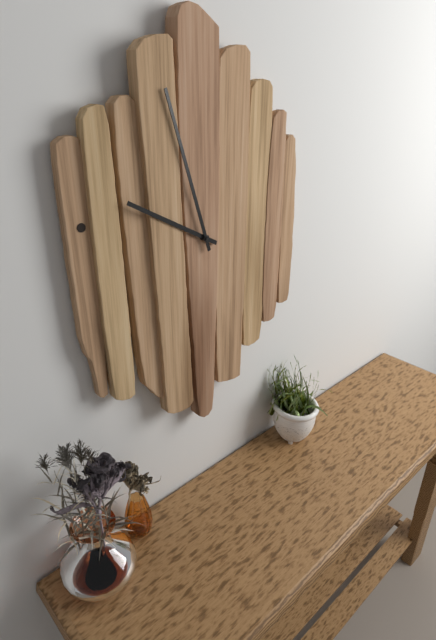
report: 9h57
